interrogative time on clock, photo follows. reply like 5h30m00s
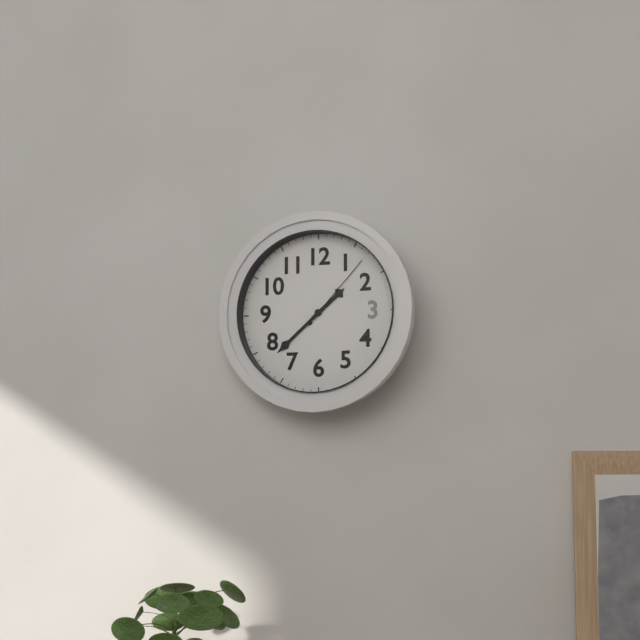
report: 1h38m07s
